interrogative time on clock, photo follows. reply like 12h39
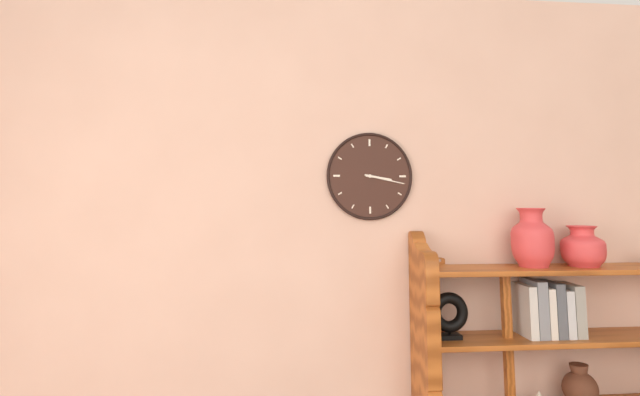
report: 3h17
